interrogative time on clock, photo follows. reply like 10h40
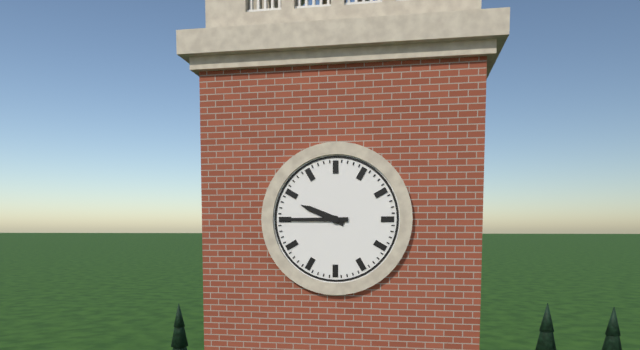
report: 9h45
